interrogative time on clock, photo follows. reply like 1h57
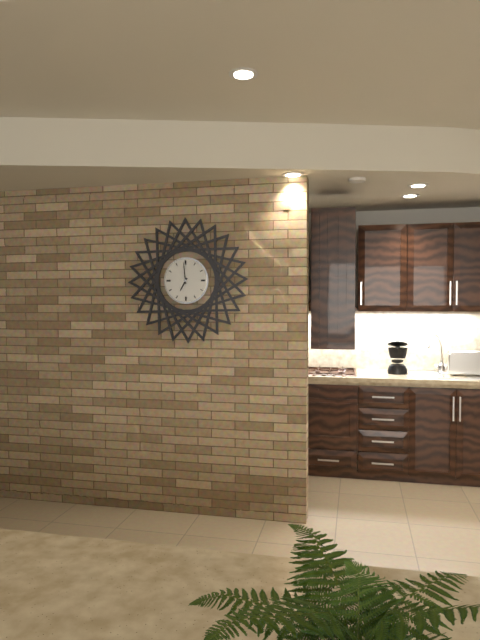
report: 6h59
